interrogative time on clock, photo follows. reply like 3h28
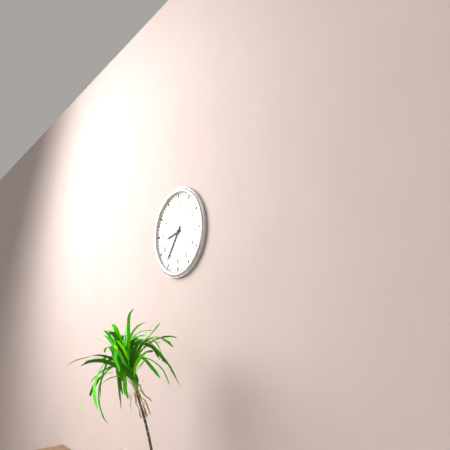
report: 8h36
